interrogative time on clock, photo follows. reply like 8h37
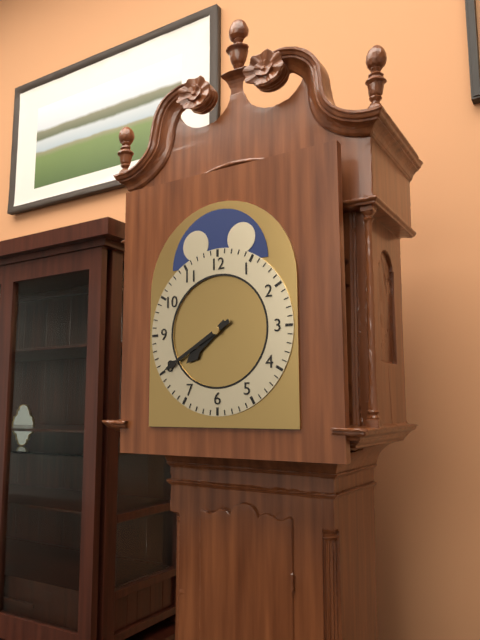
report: 7h40
